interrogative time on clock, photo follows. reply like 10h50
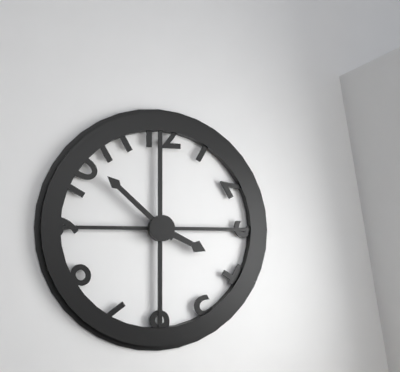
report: 3h52
